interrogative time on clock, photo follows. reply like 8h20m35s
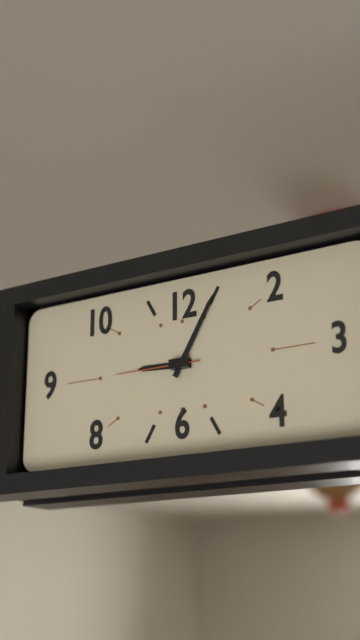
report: 9h05m45s
